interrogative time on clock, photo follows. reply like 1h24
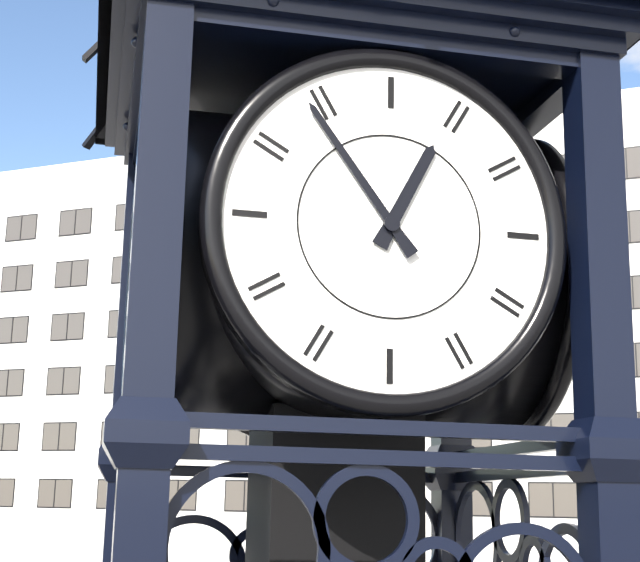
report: 12h54
